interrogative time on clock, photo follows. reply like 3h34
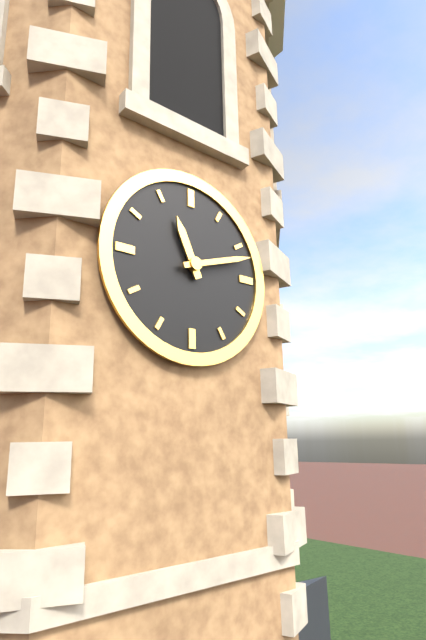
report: 11h12
